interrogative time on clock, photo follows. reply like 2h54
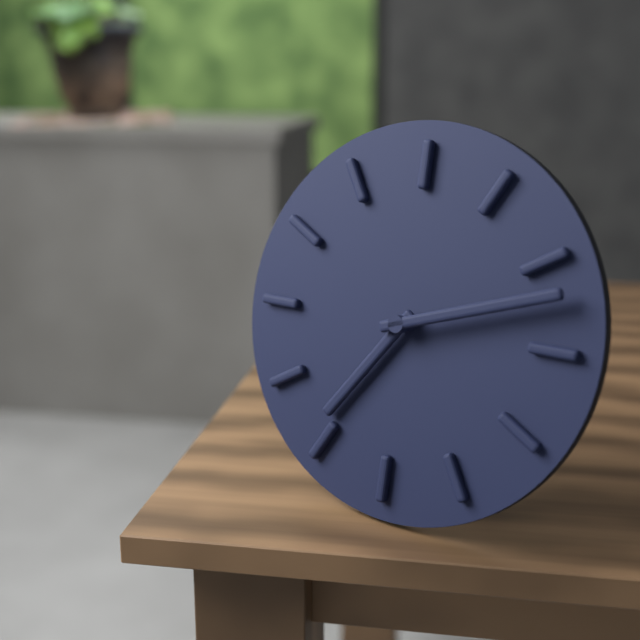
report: 7h12
